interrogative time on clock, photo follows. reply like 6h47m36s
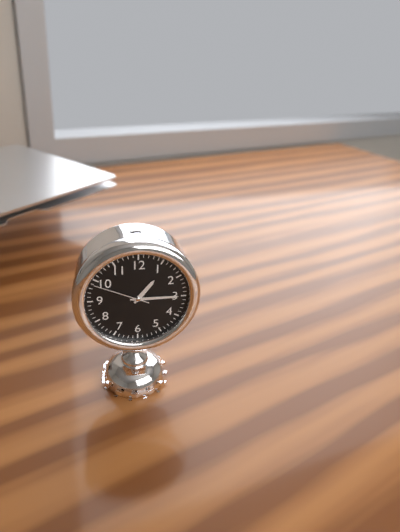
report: 1h15m49s
